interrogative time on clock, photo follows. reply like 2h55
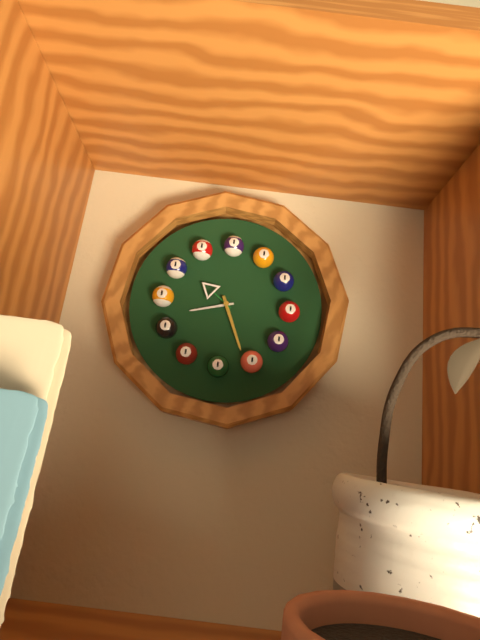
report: 8h26
